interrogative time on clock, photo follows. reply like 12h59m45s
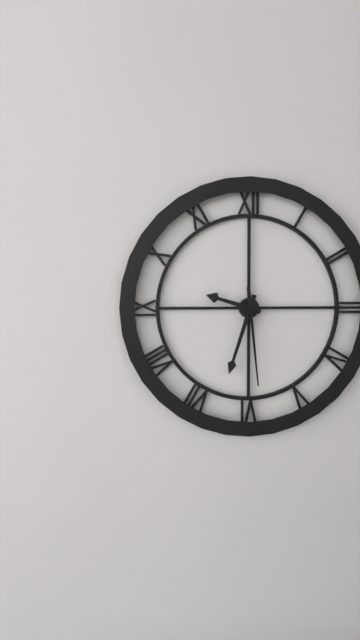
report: 9h33m29s
